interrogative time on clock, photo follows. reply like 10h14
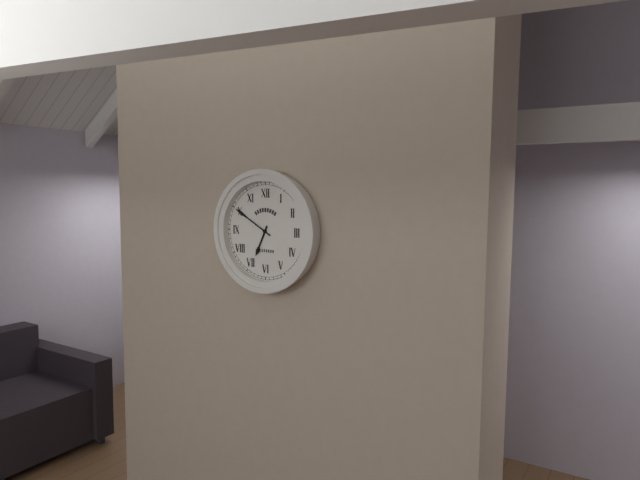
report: 6h50
